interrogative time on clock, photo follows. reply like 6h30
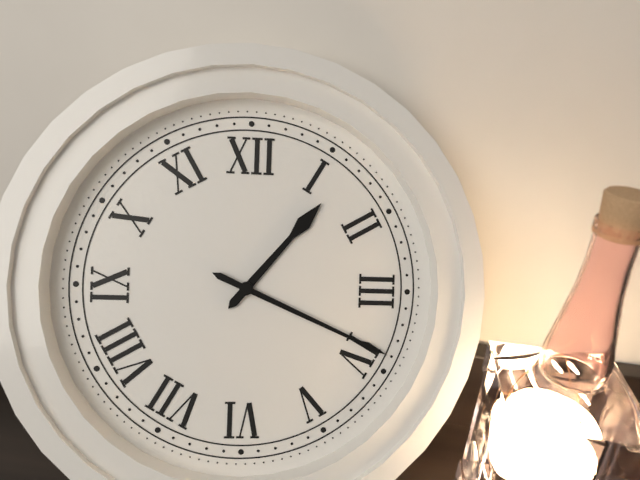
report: 1h19
